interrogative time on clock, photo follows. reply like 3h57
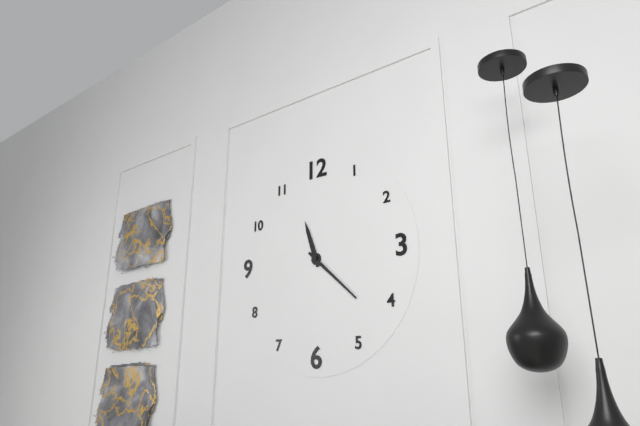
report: 11h22
